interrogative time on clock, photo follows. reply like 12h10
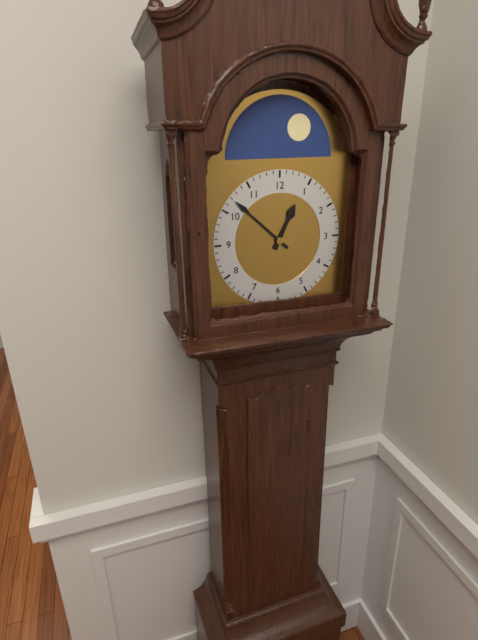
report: 12h52
